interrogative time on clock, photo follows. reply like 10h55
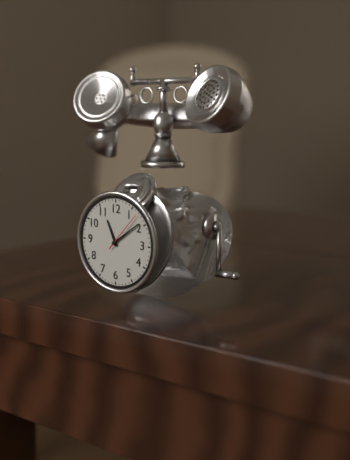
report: 11h09
